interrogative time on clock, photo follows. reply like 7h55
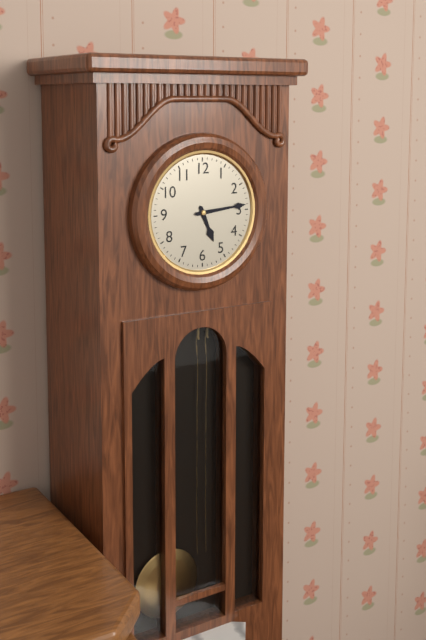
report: 5h14
